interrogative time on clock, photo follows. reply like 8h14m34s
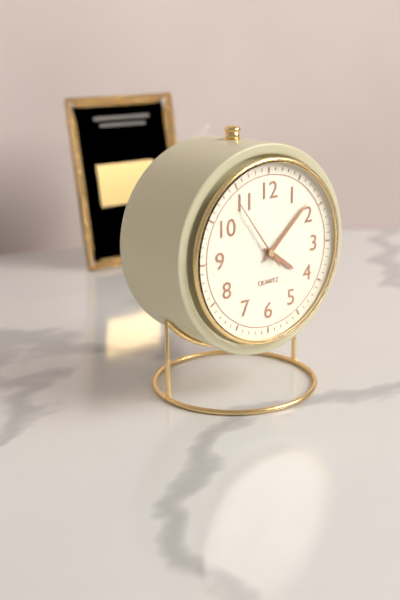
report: 4h08m54s
